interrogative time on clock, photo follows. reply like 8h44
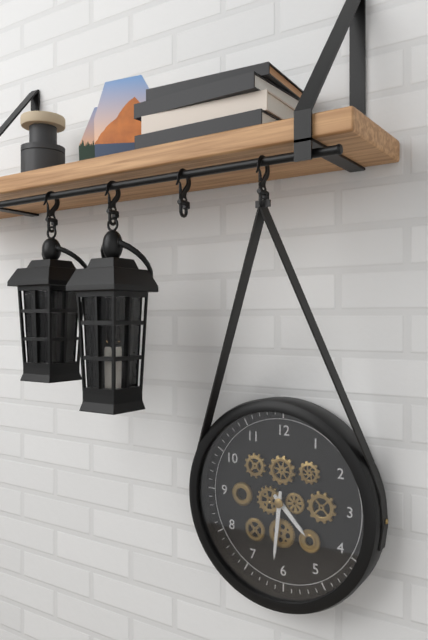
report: 4h31
